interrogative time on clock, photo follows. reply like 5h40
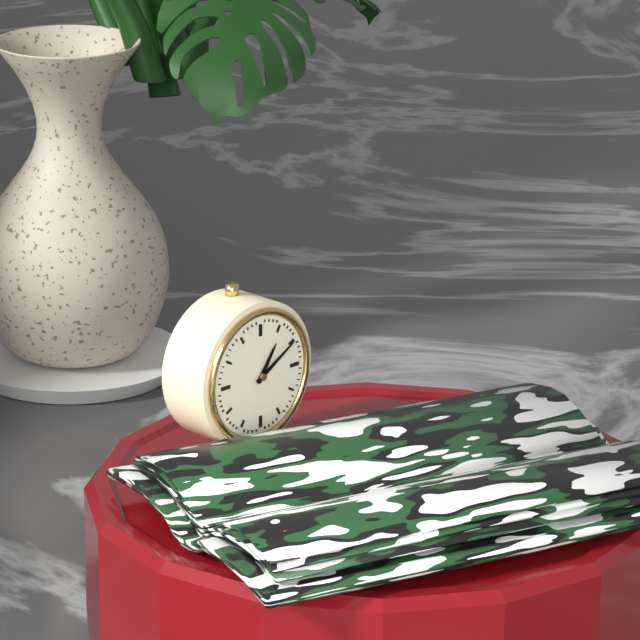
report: 1h10
